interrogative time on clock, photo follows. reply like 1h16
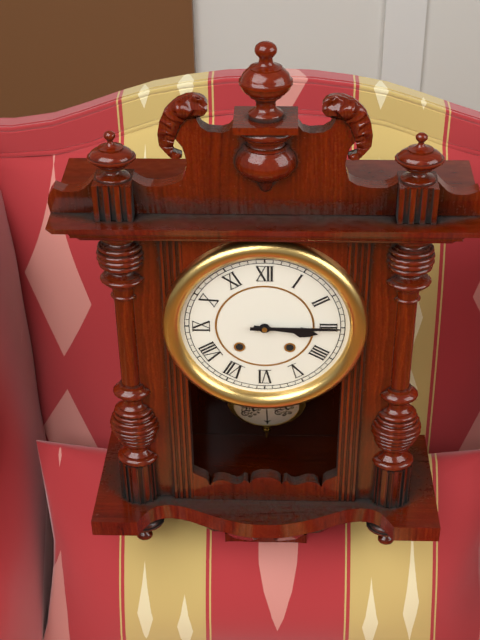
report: 3h15
